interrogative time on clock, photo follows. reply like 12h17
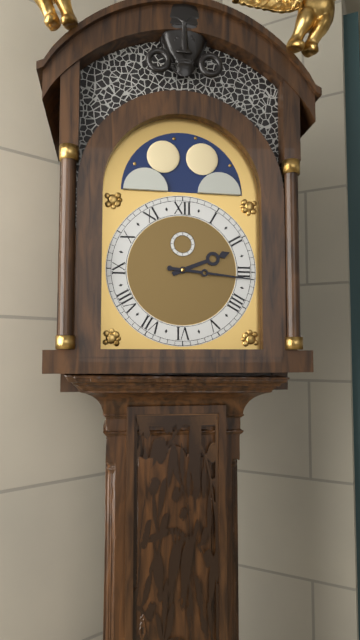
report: 2h16
